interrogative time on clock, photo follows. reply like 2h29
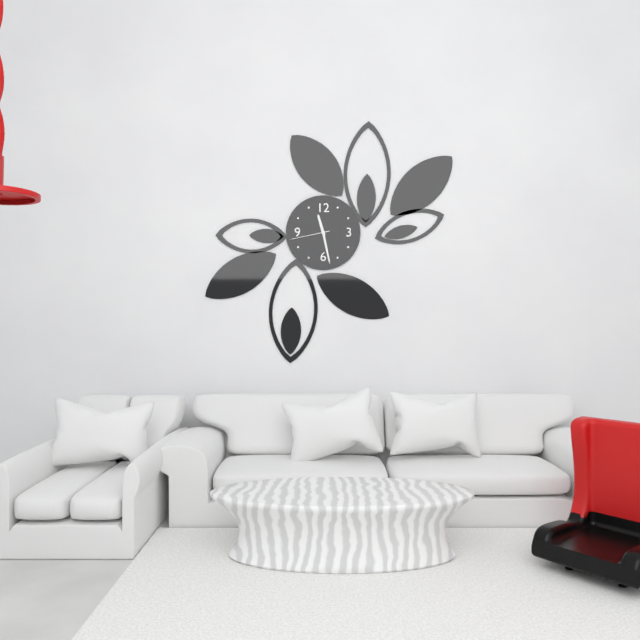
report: 11h28
